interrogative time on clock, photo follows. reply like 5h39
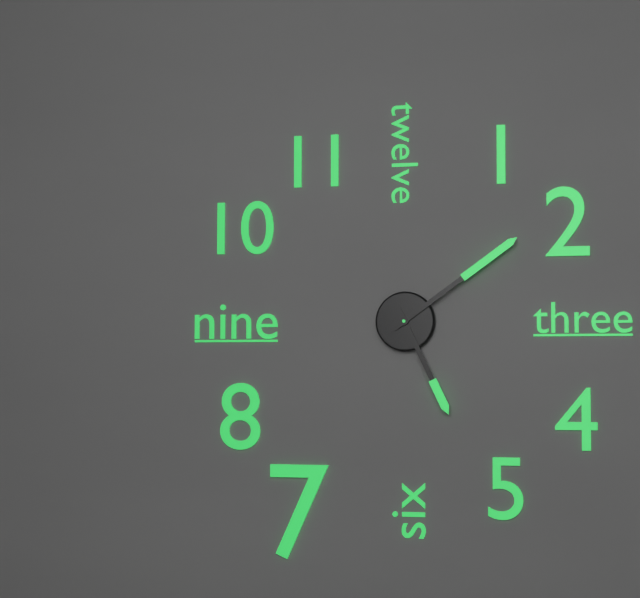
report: 5h09
